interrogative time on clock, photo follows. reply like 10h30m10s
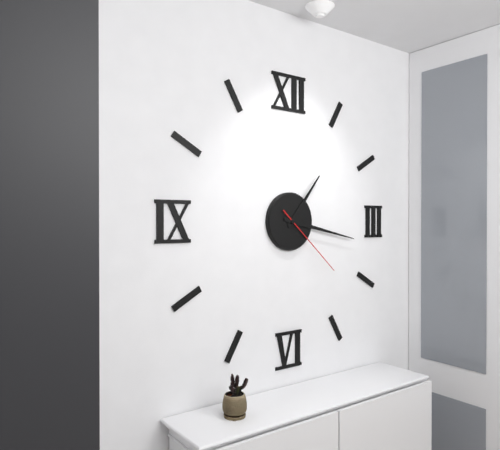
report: 1h17m22s
